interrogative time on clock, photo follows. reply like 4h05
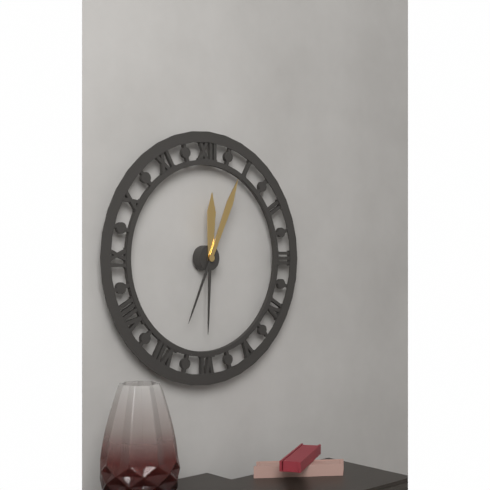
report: 12h04
